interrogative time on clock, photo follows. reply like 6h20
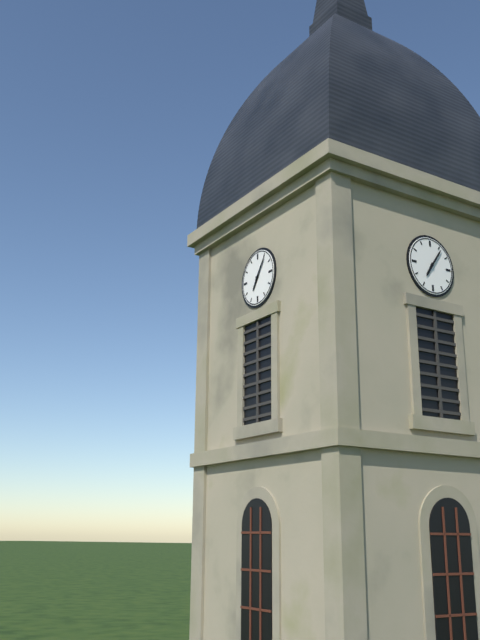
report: 7h06
